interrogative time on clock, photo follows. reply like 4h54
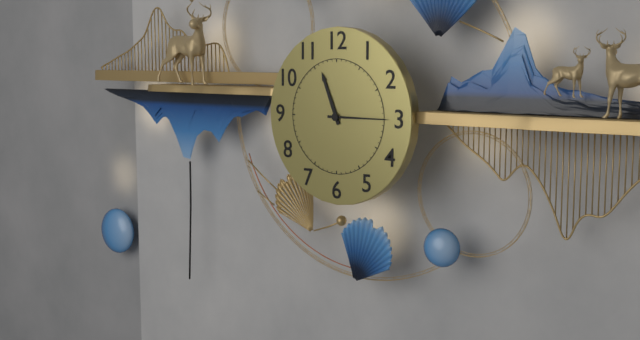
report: 11h15
